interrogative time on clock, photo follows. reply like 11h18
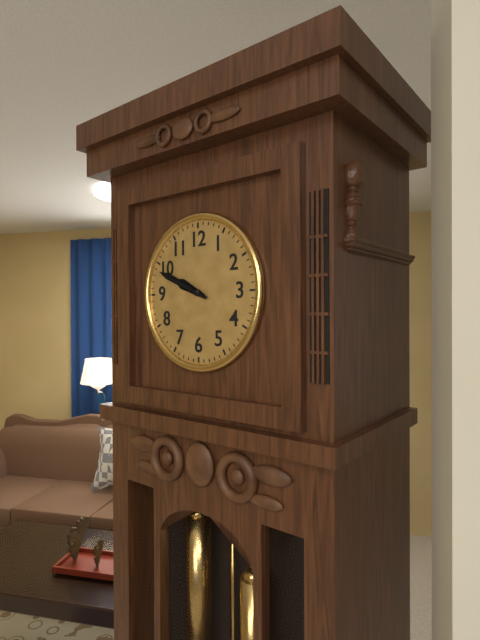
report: 9h49
